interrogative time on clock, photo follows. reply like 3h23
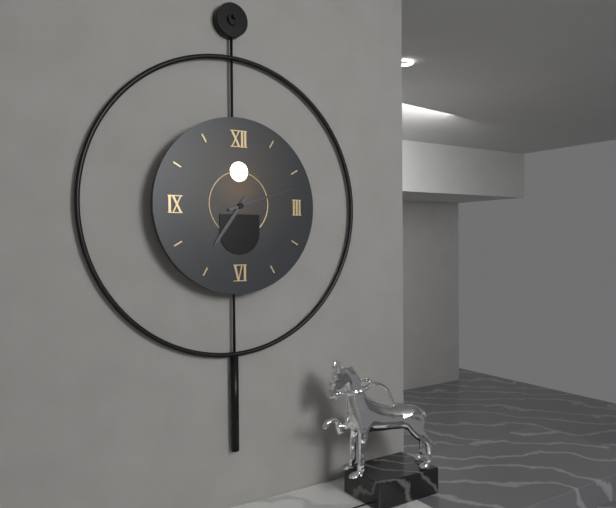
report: 7h12
